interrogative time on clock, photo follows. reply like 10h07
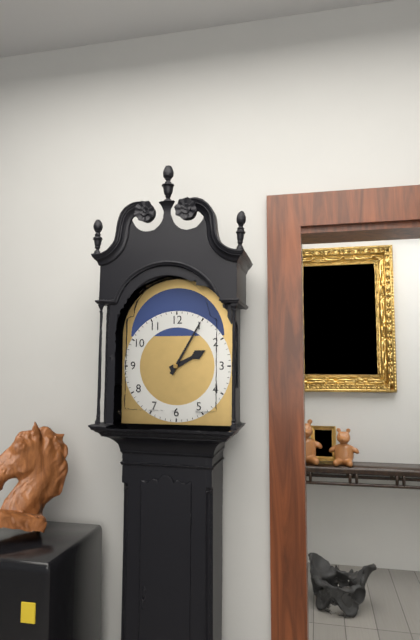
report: 2h05
